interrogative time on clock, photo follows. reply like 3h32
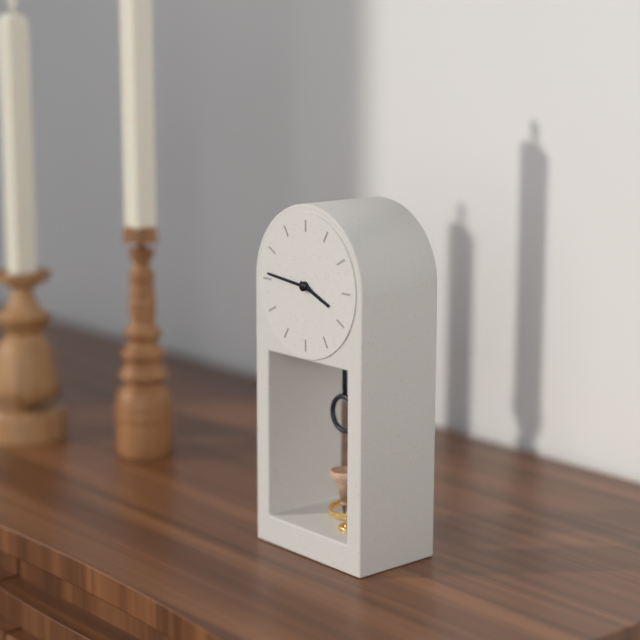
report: 3h46
